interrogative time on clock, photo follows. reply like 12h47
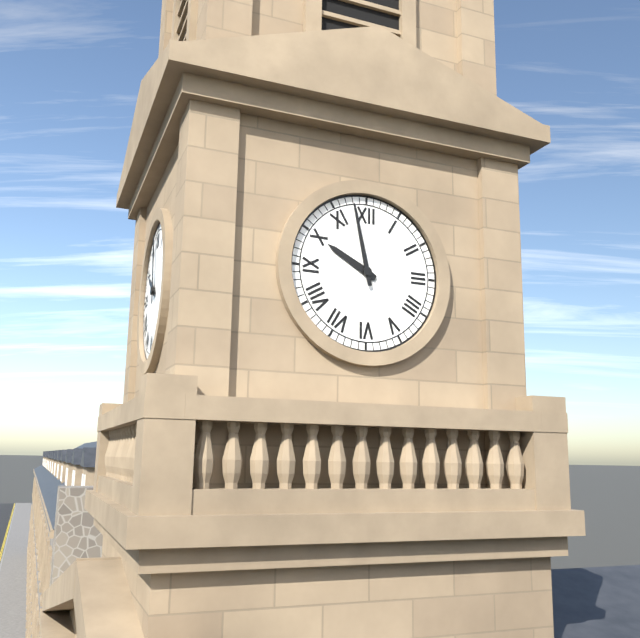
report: 9h58
